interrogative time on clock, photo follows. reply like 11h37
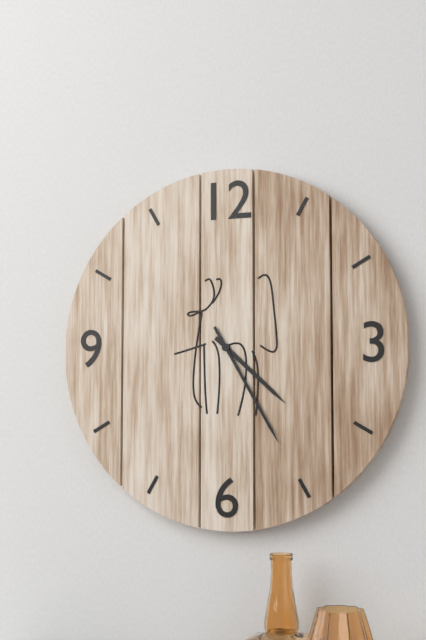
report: 4h25
